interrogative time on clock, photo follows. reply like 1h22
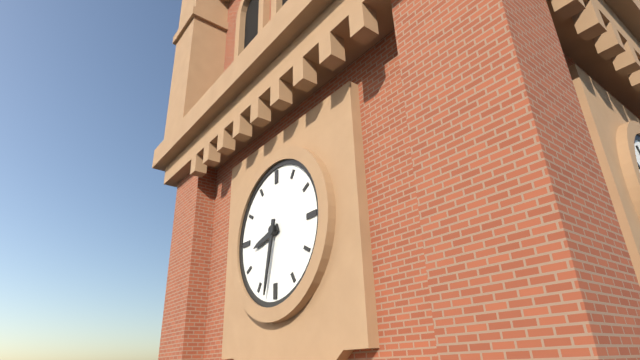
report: 8h32
